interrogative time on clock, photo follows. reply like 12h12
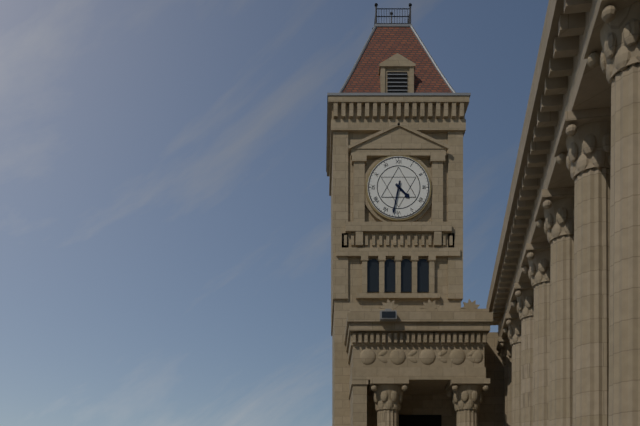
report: 4h32
